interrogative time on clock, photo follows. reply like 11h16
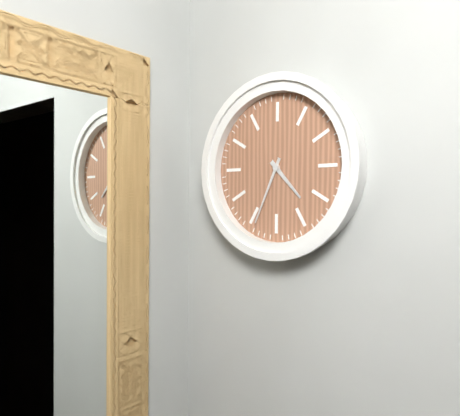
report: 4h34
